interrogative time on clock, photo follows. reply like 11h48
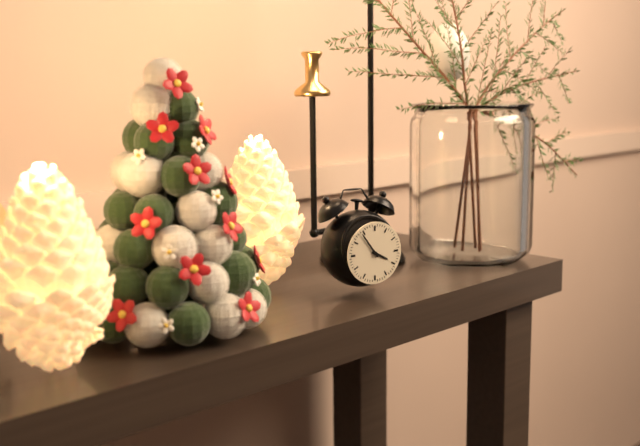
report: 3h54
